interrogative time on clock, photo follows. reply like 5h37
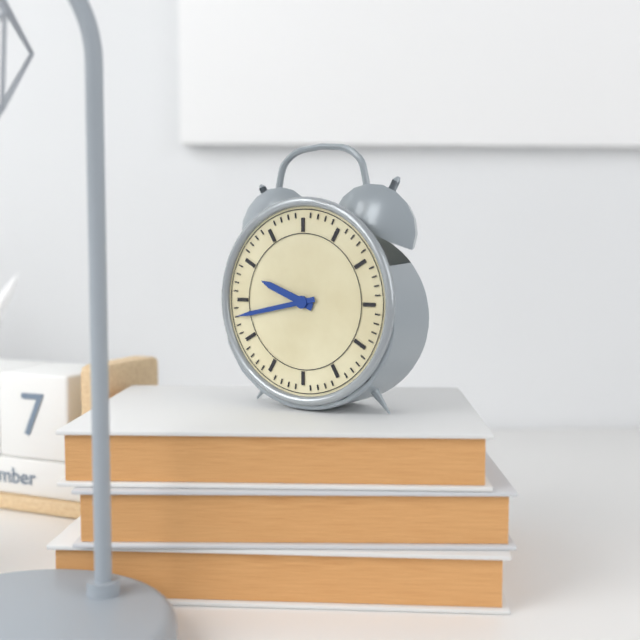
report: 9h43
